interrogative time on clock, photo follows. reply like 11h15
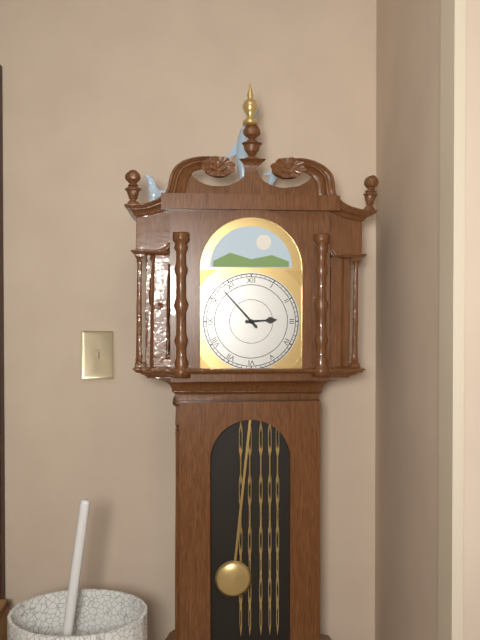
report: 2h53
